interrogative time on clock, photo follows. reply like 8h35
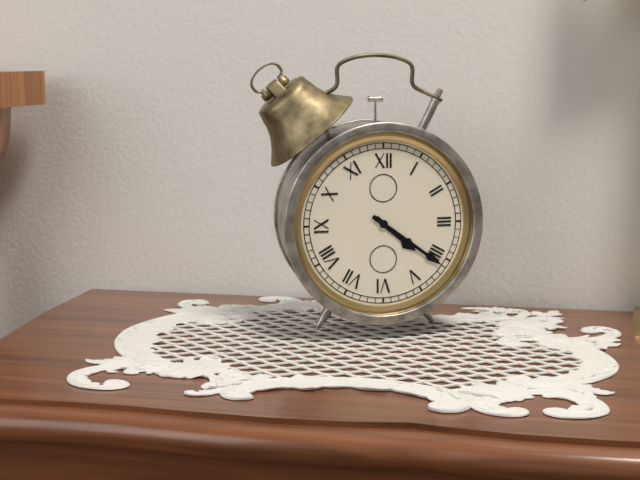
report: 4h21
